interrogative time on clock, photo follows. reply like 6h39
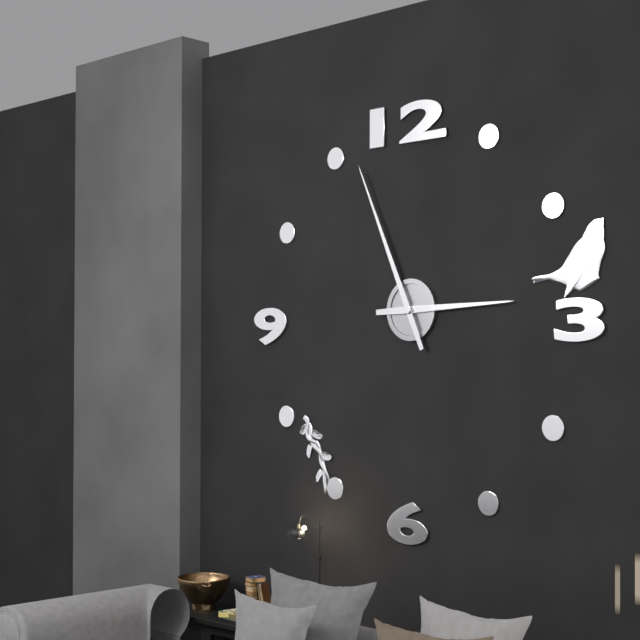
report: 2h56
